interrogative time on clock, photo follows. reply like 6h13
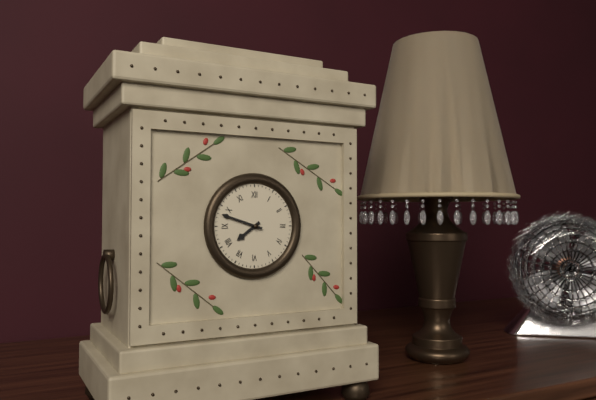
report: 7h48
